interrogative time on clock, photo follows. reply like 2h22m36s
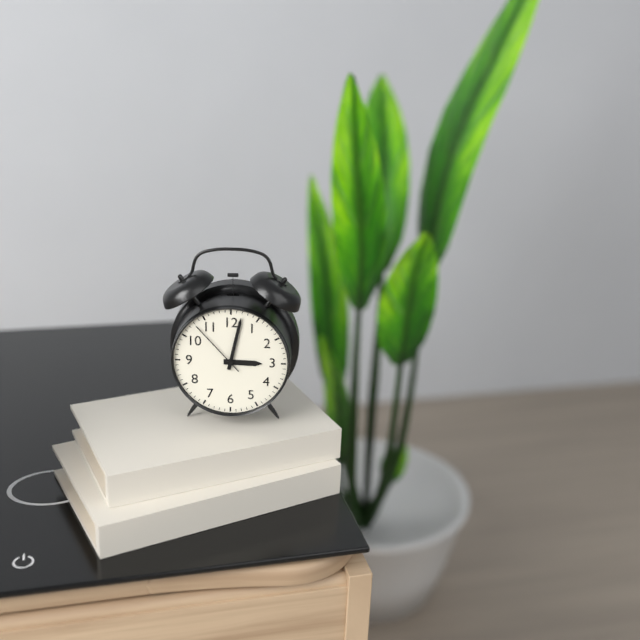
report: 3h02m53s
